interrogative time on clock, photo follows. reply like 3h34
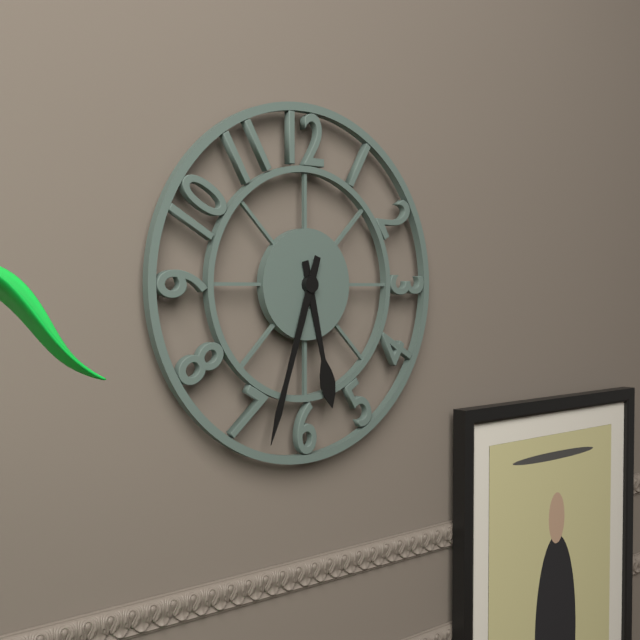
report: 5h33
